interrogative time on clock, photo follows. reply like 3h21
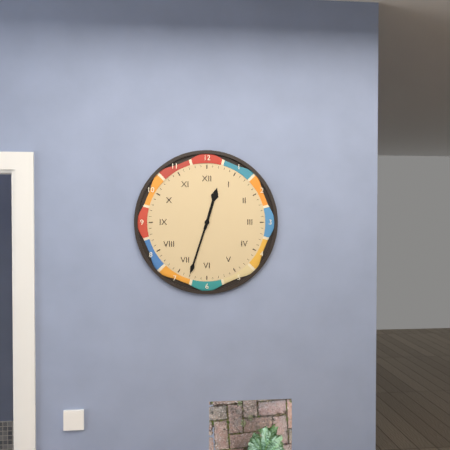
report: 12h33
